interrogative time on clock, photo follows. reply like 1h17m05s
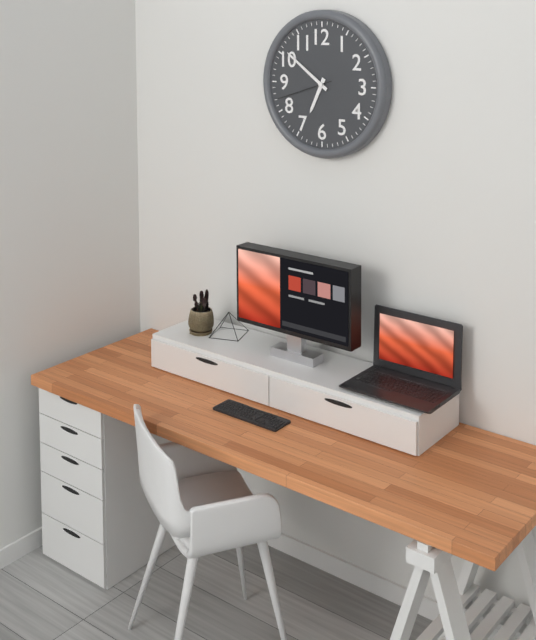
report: 6h51m42s
